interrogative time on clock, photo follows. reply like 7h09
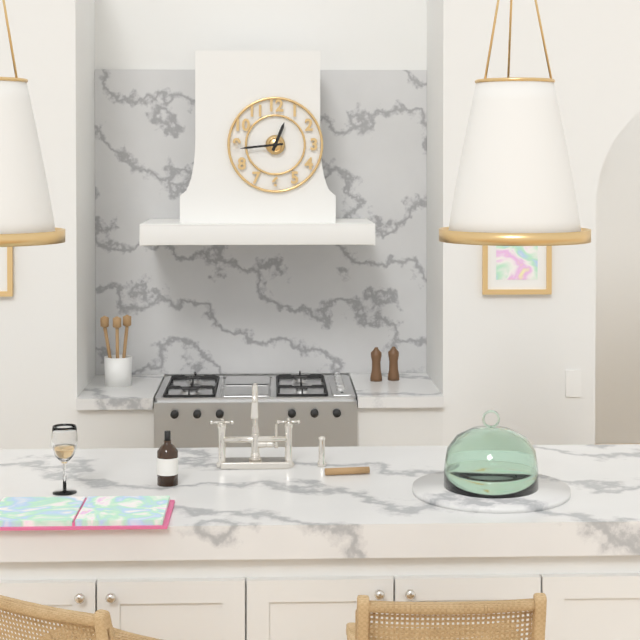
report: 12h44
